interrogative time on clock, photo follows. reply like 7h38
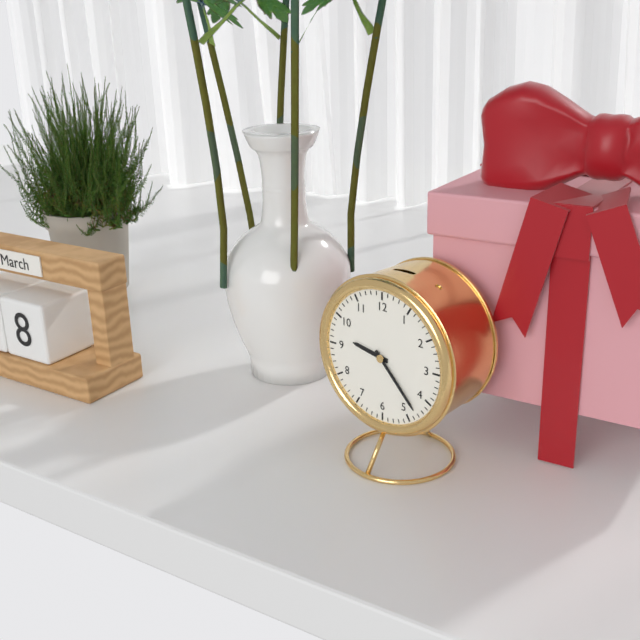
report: 9h23
